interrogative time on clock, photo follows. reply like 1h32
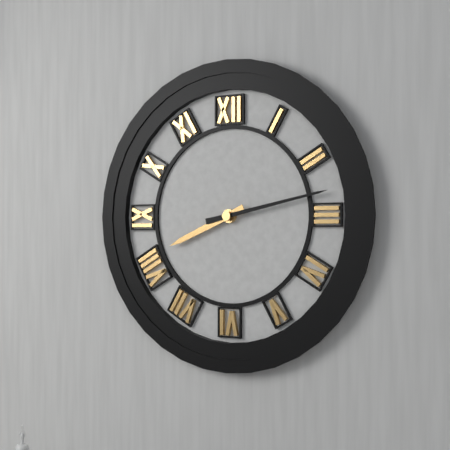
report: 8h13
